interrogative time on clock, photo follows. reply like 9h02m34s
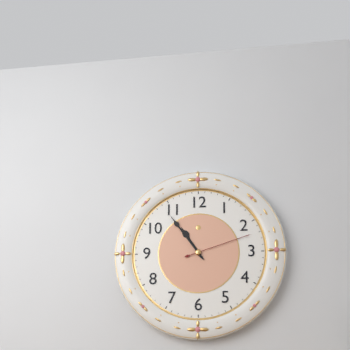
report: 10h54m12s
